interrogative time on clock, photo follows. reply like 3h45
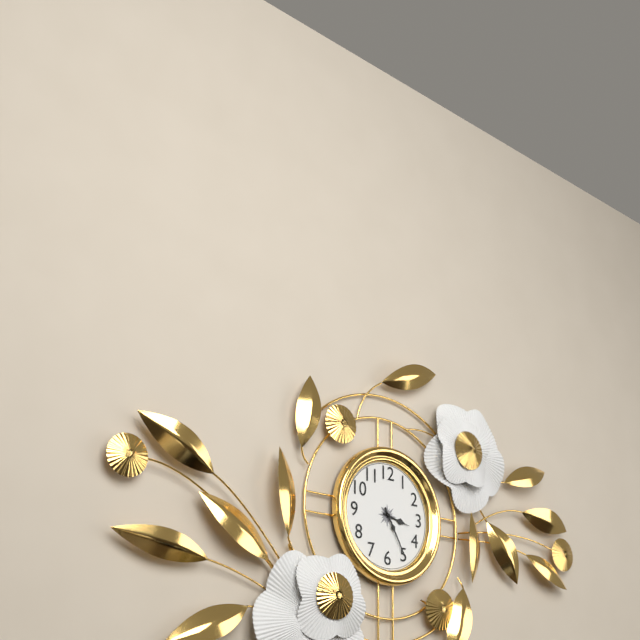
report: 3h25
